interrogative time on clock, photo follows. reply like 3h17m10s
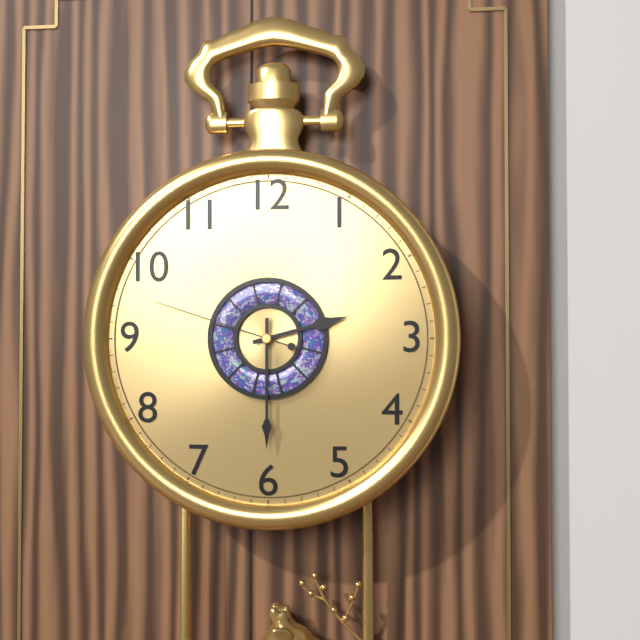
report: 2h30m48s
